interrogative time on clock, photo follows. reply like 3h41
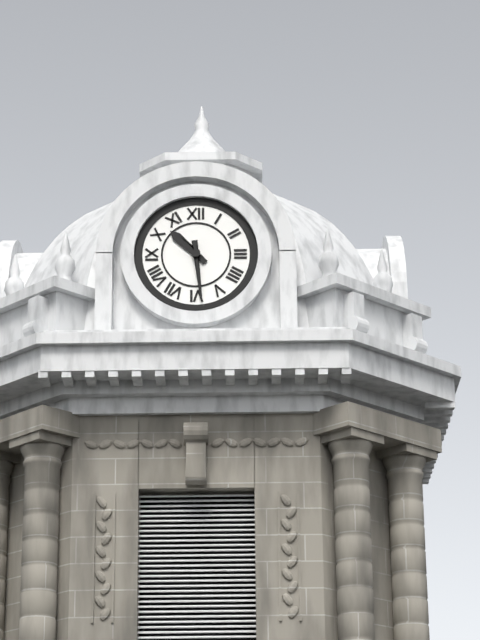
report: 10h29
